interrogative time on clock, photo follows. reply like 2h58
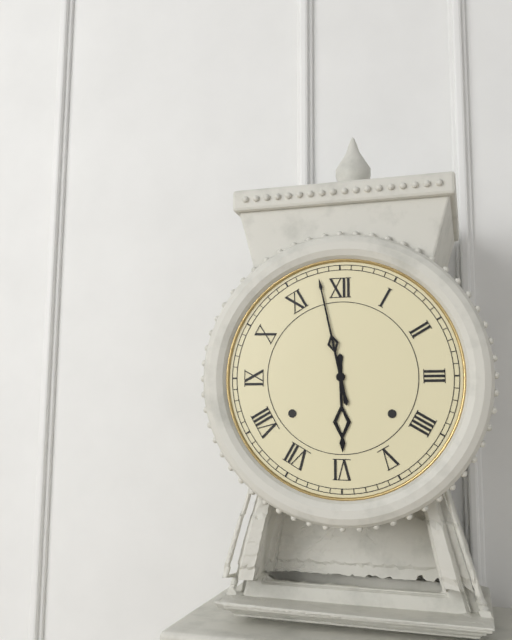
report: 5h58
